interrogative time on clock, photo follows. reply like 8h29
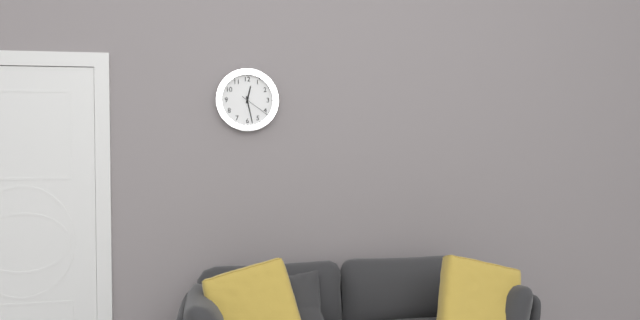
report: 12h28
